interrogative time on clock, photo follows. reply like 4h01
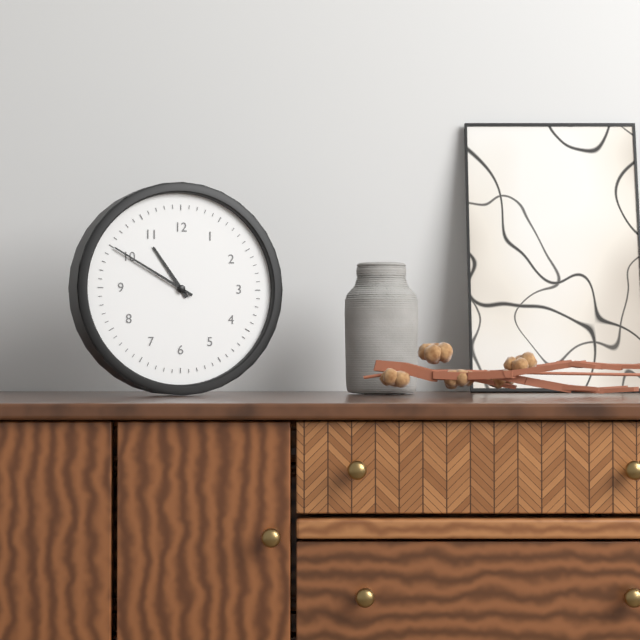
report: 10h50
